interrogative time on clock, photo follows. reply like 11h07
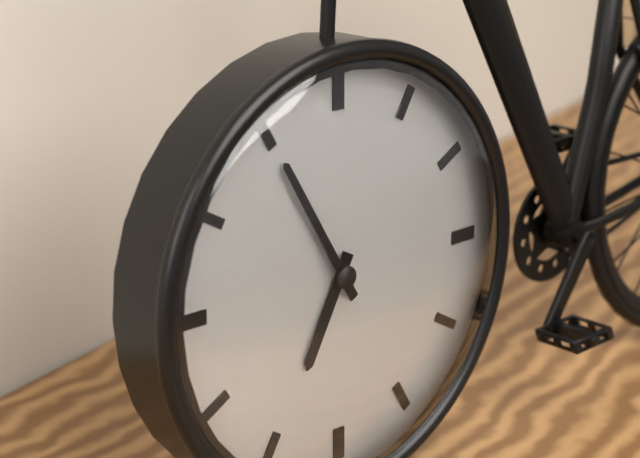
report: 6h55
